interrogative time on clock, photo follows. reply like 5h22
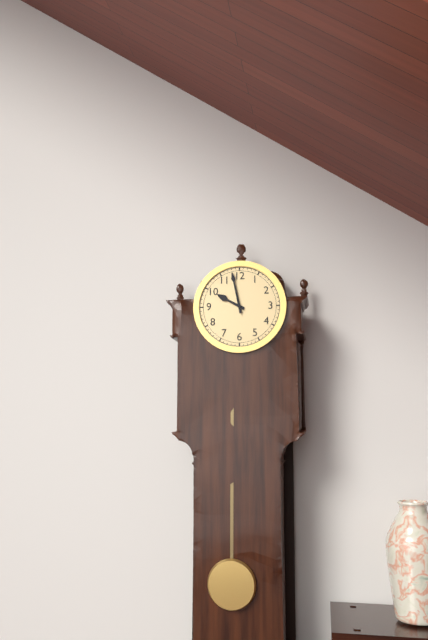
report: 9h58
